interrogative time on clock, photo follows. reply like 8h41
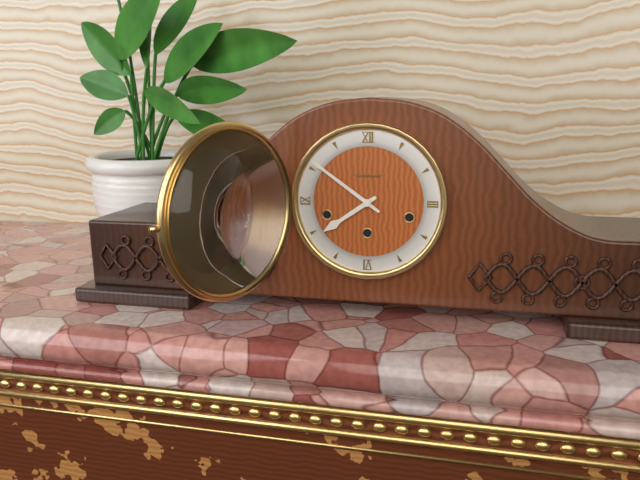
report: 7h51
